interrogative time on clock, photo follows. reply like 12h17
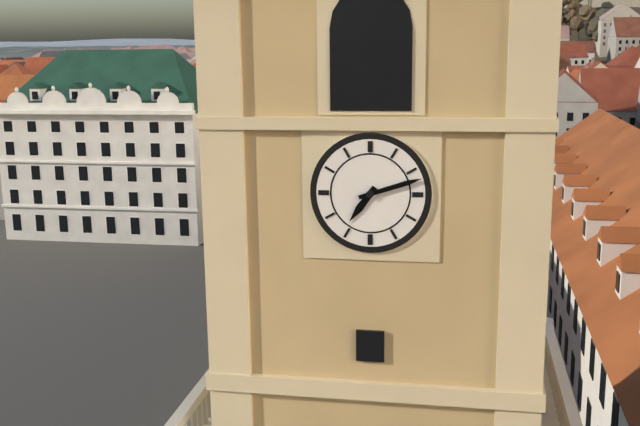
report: 7h12
